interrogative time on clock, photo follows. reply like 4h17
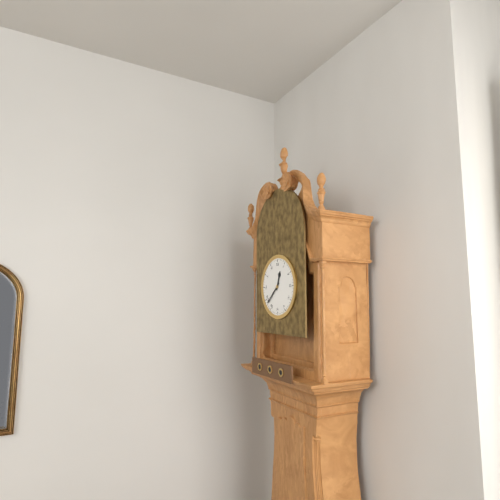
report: 12h38
